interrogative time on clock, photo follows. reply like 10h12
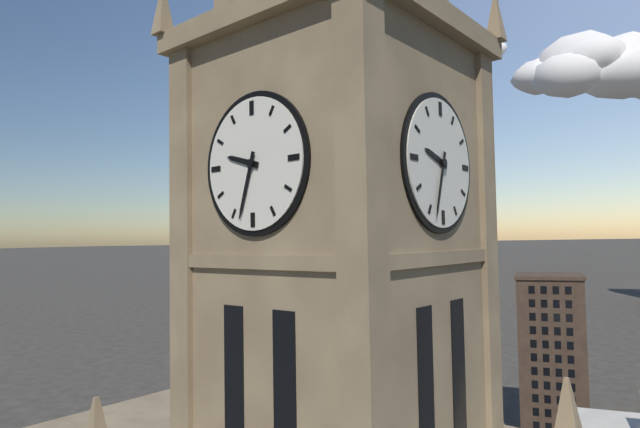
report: 9h33
